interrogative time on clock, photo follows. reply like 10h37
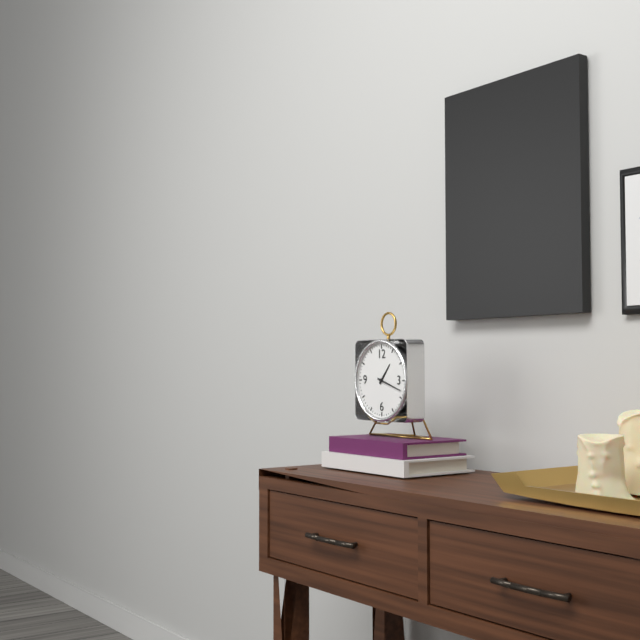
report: 1h18
